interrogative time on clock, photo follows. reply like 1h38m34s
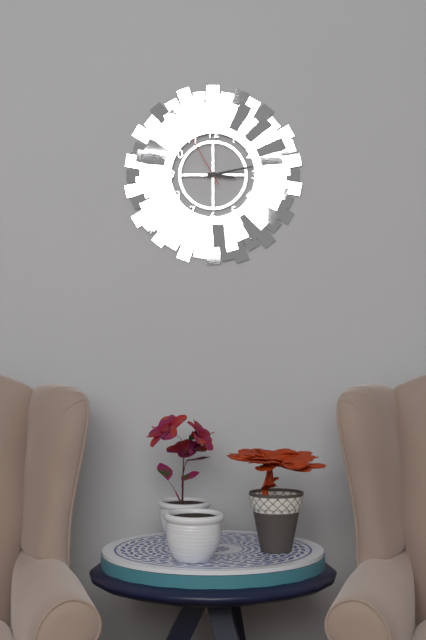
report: 3h13m55s
